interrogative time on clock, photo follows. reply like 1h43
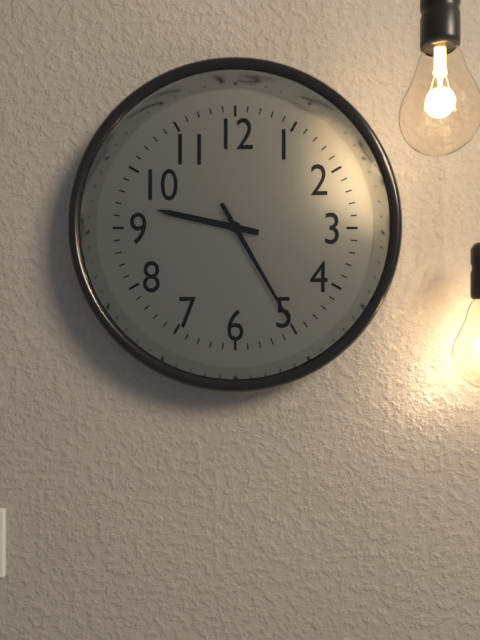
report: 9h25
